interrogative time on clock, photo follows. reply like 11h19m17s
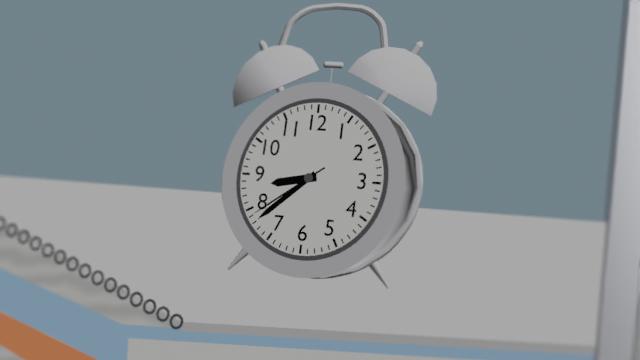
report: 8h38m39s
